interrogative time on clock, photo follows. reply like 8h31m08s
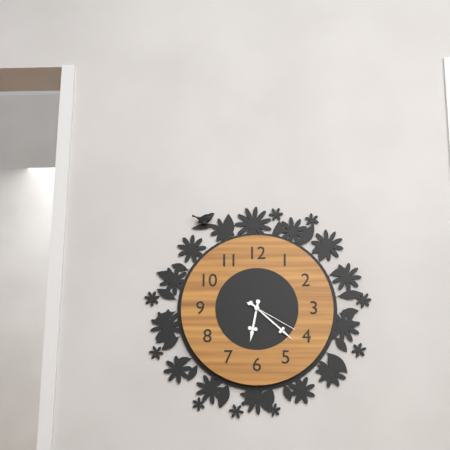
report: 6h22m20s
